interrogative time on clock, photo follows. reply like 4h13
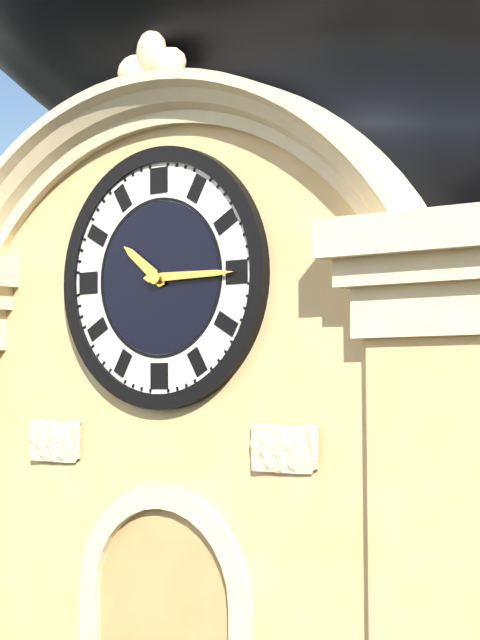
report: 10h15
